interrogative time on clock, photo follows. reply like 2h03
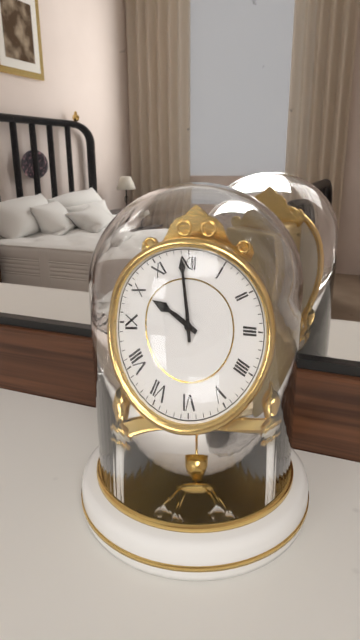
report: 9h59
